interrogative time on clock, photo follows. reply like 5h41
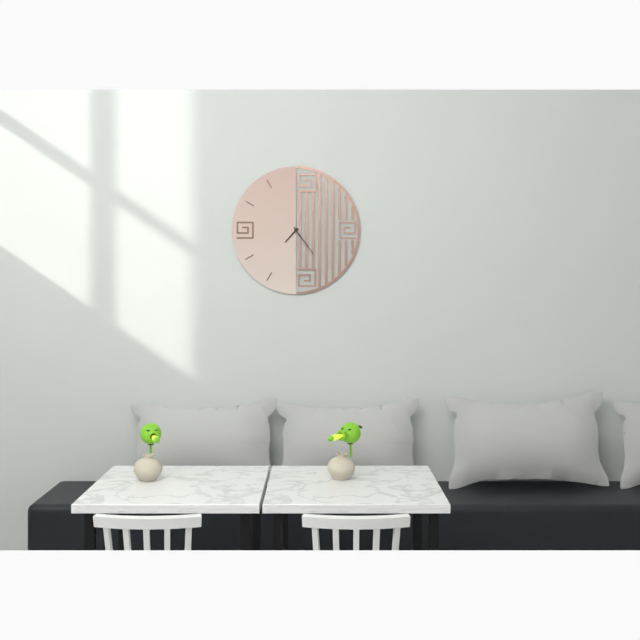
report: 7h24
